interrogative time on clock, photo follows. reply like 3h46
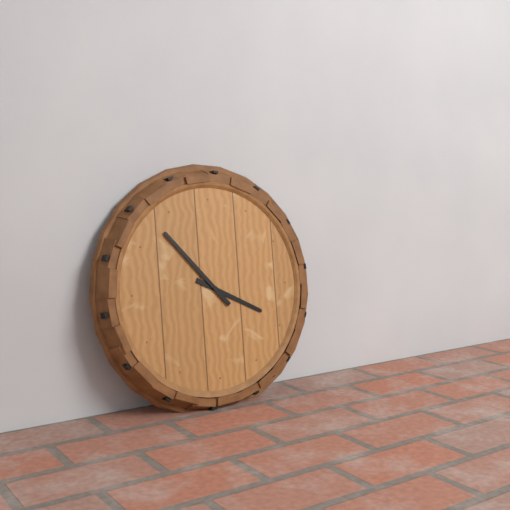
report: 3h53
